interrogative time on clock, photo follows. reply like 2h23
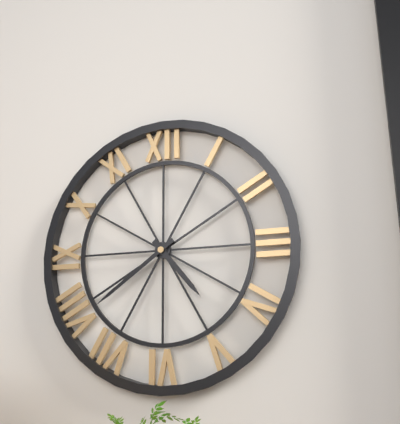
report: 4h39
